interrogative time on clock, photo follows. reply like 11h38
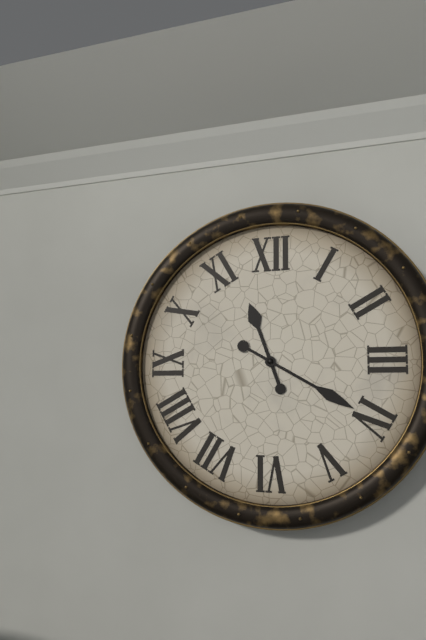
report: 11h20
